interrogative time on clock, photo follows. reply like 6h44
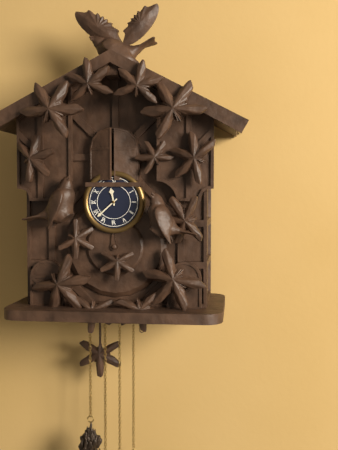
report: 11h38
